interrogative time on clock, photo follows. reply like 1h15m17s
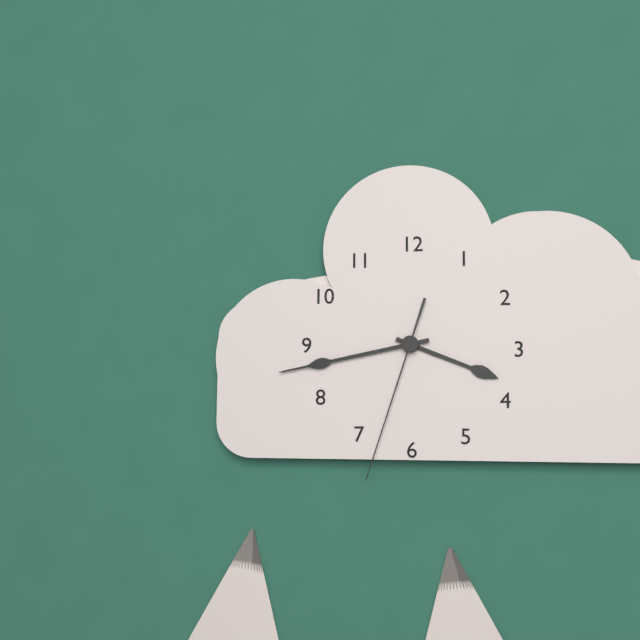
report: 3h43m33s
